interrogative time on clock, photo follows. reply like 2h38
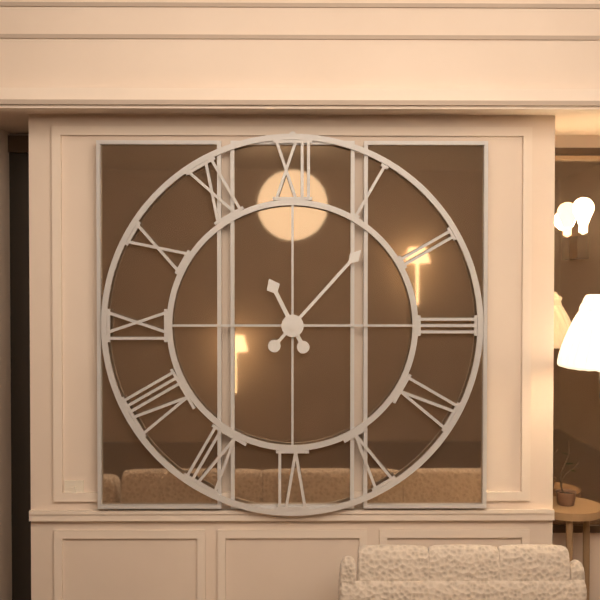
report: 11h07
